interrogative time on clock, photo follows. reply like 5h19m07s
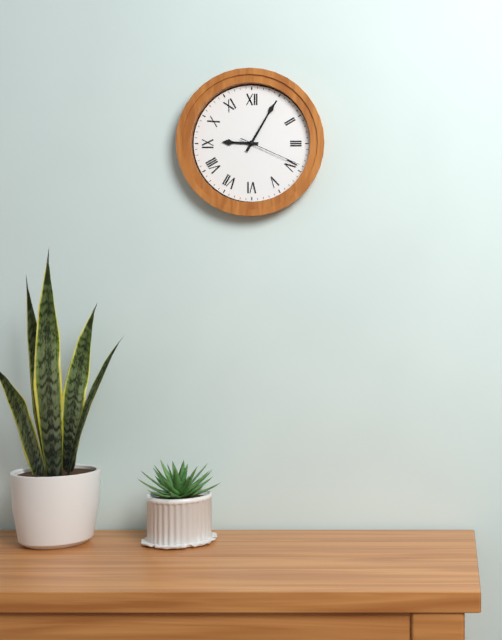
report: 9h05m19s
